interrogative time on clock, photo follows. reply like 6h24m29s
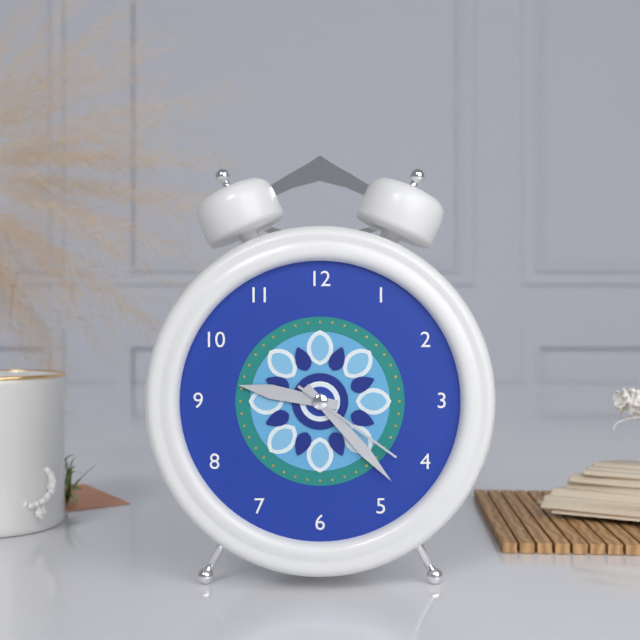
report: 9h23m21s
